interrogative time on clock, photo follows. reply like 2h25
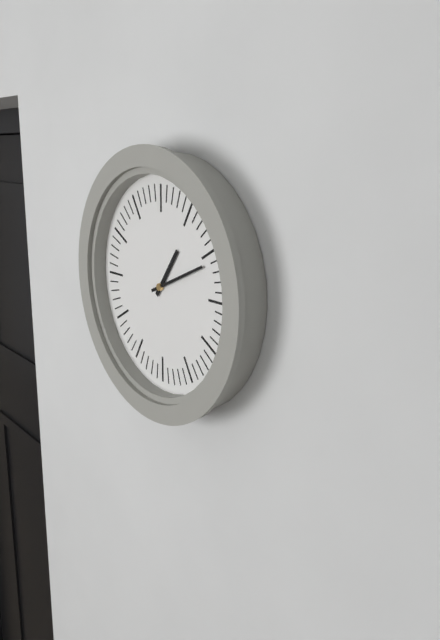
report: 1h11
